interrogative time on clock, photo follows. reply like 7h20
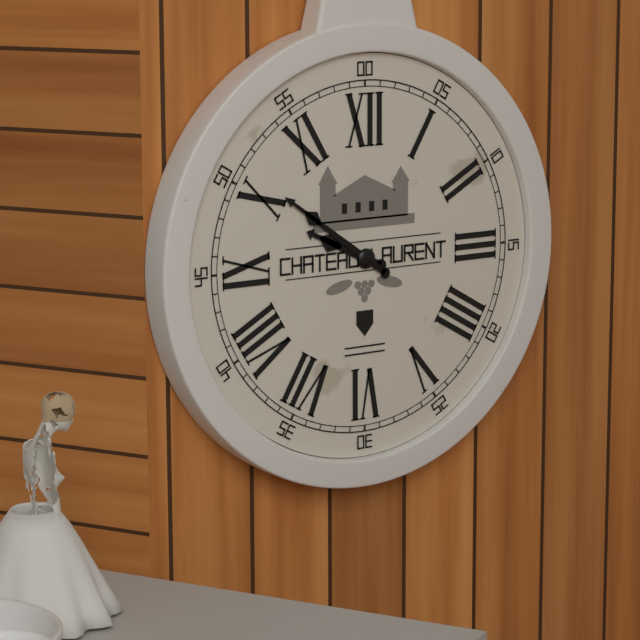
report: 9h51
